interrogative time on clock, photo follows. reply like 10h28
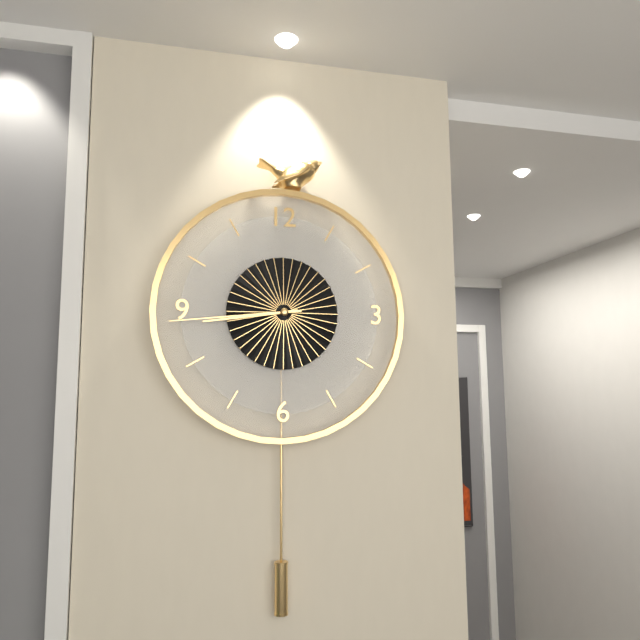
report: 8h44
